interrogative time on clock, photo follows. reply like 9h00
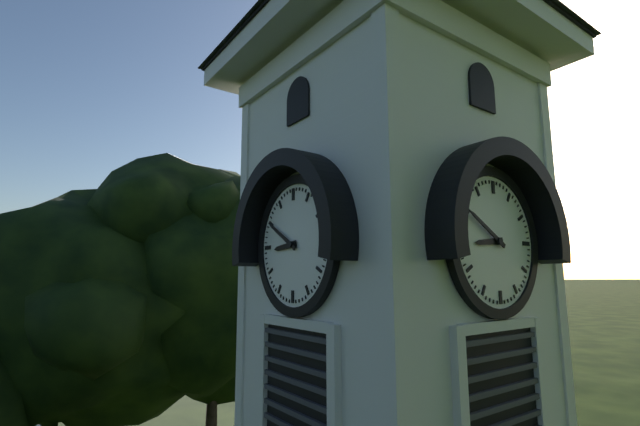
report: 8h50
